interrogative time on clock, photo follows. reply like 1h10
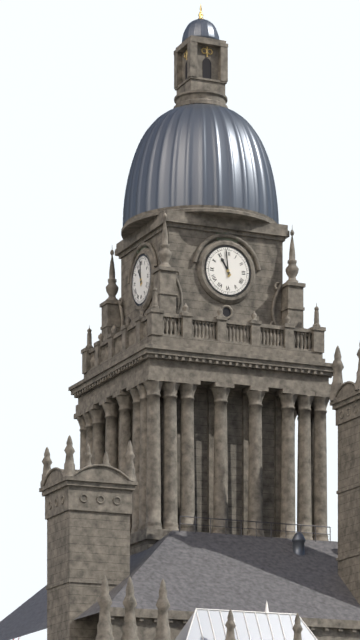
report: 10h59
